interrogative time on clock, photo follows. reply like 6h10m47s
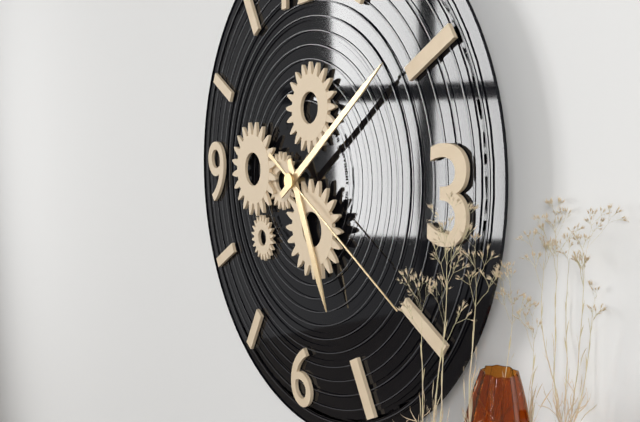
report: 5h09m20s
